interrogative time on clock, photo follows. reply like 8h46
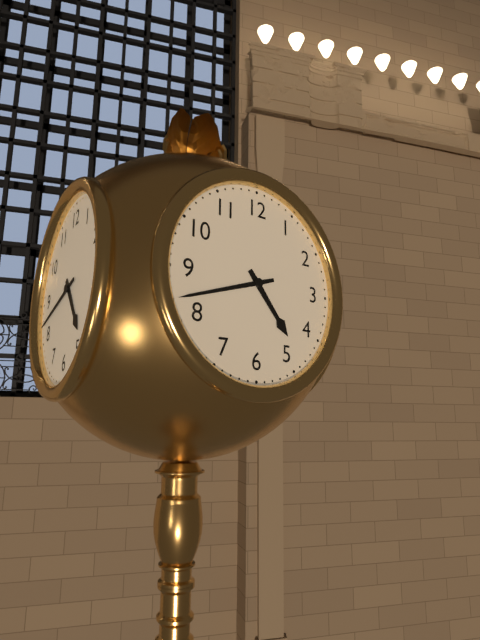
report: 4h42
